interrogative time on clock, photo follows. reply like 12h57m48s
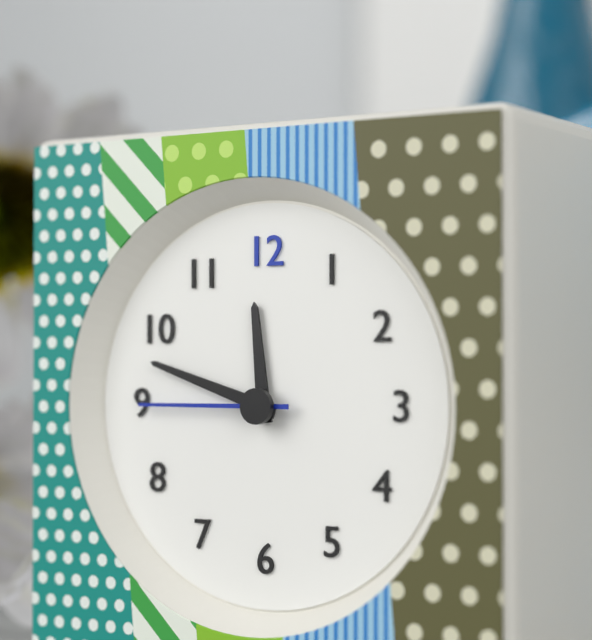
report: 11h48m45s
